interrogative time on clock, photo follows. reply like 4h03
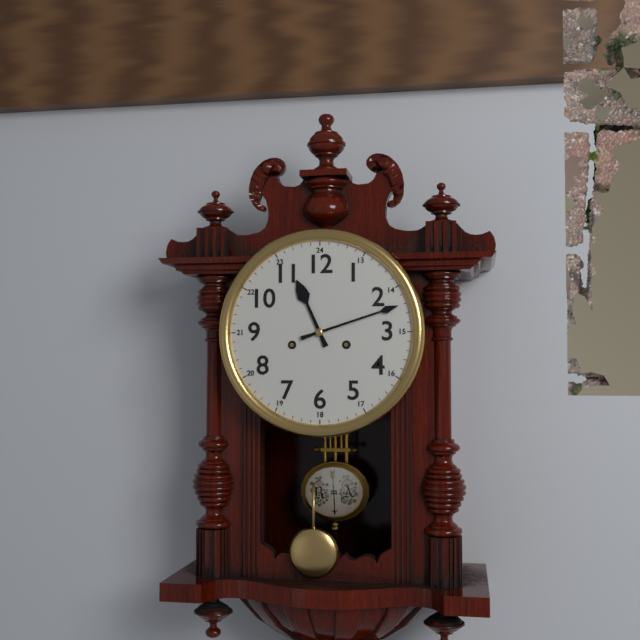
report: 11h12
